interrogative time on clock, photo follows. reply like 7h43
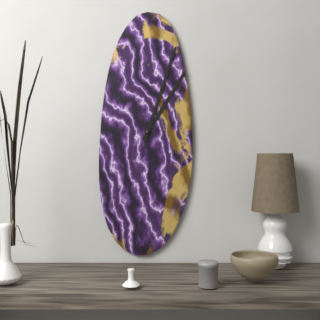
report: 1h03
